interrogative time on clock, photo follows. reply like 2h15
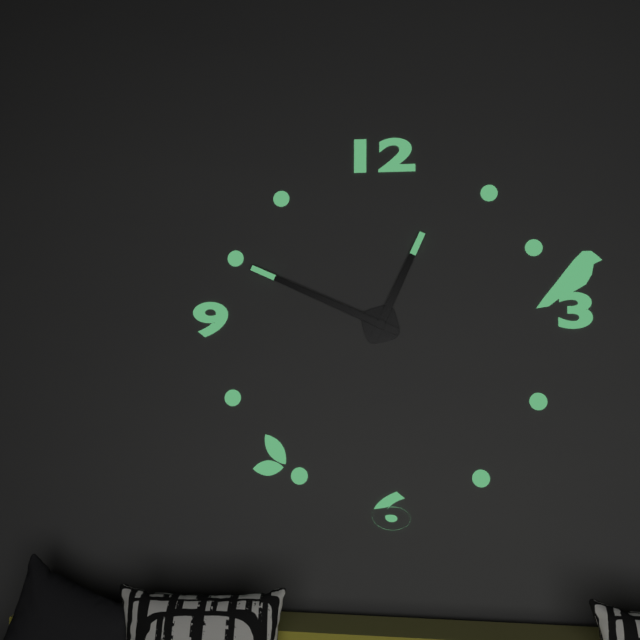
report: 12h49
